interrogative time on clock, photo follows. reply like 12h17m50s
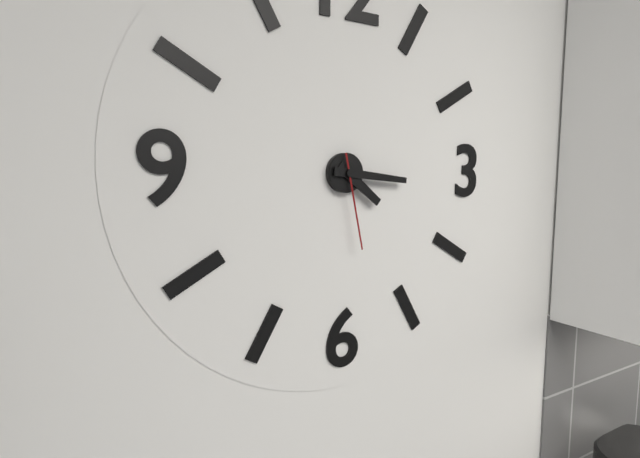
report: 4h16m28s
